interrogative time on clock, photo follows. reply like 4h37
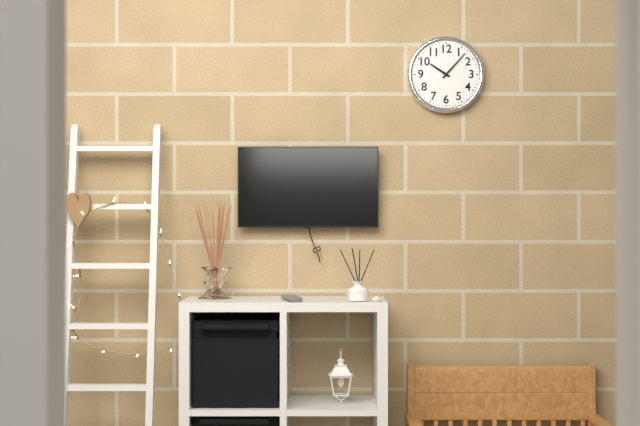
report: 10h07
